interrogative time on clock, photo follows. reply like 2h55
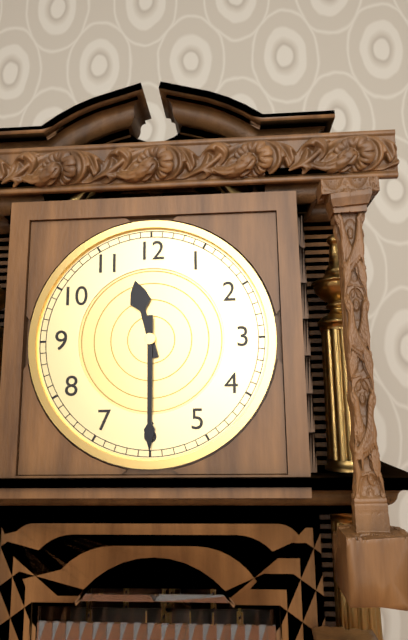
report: 11h30
